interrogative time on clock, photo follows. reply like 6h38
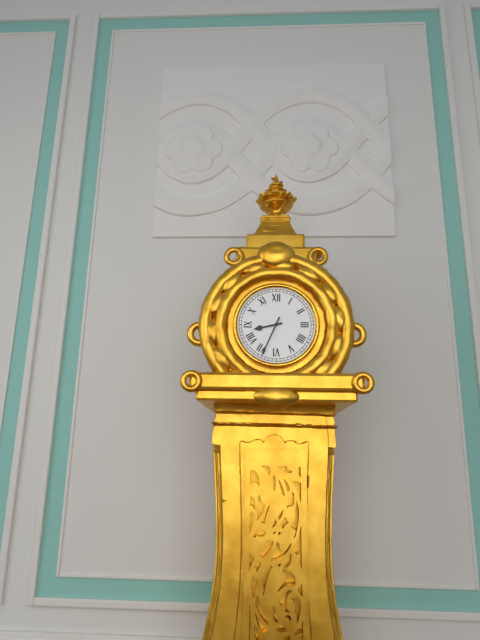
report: 8h34
